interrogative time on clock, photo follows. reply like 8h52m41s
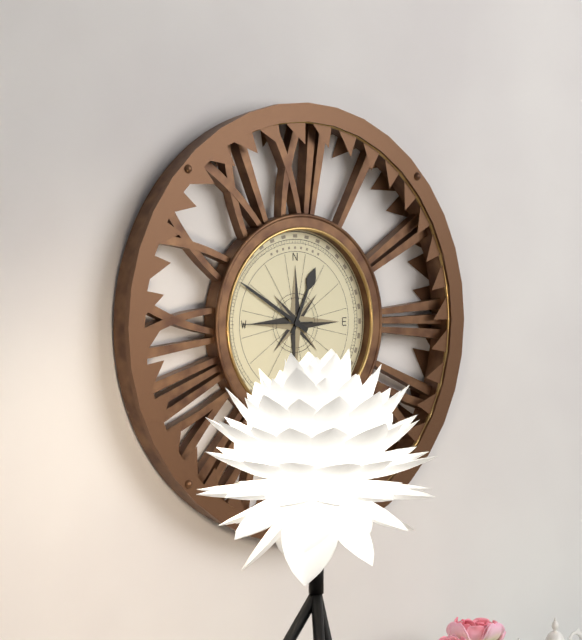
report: 12h50m45s
